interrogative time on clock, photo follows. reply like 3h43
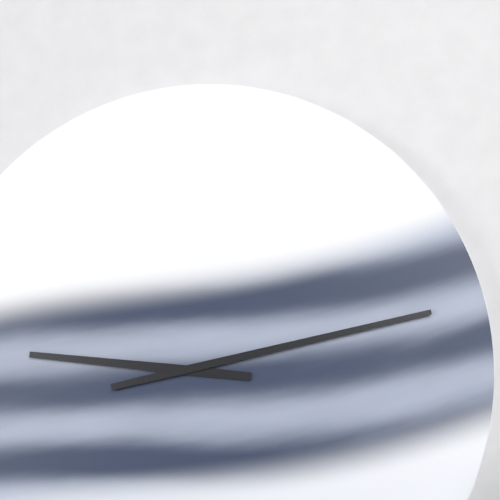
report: 9h13
